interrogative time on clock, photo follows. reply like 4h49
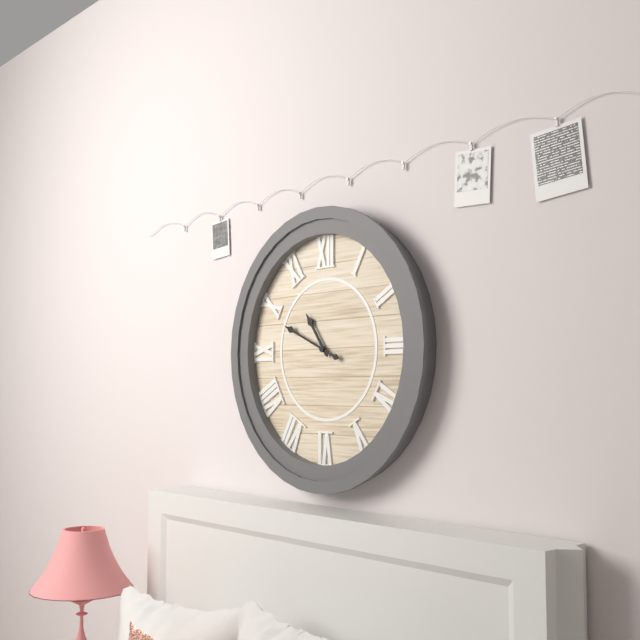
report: 10h49
